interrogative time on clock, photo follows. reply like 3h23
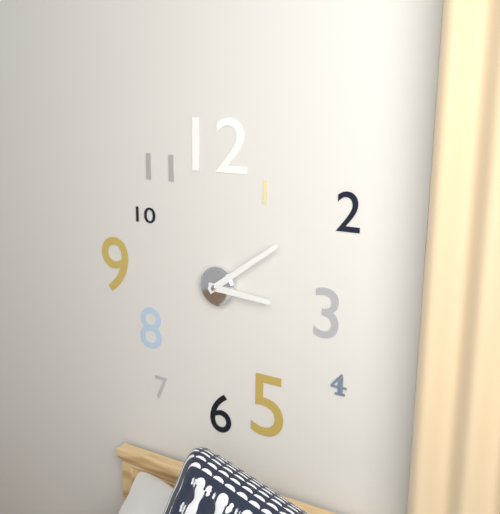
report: 3h09
